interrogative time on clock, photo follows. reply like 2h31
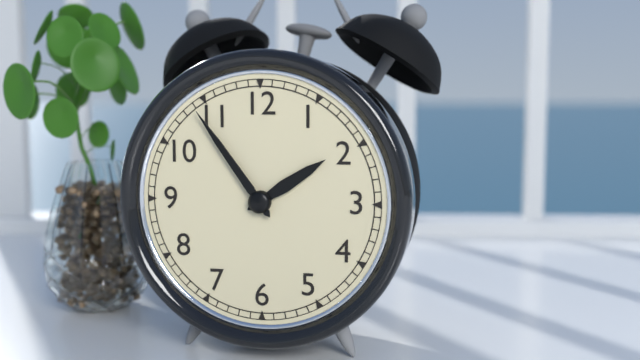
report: 1h54
